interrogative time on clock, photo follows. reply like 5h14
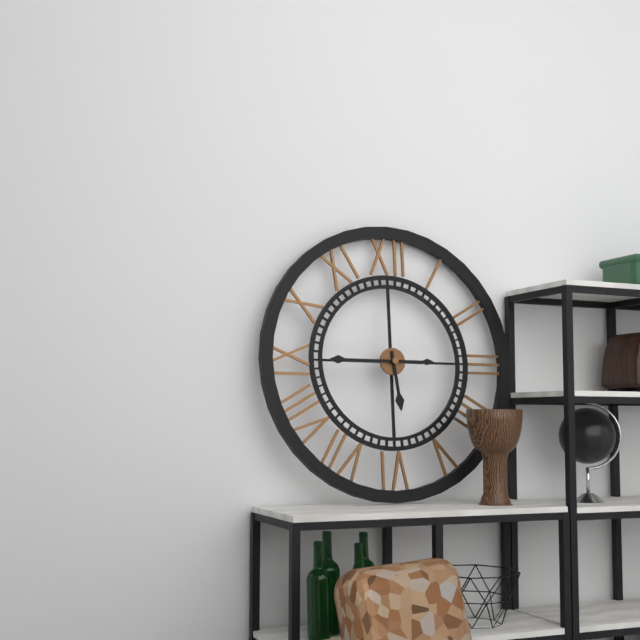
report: 5h45
